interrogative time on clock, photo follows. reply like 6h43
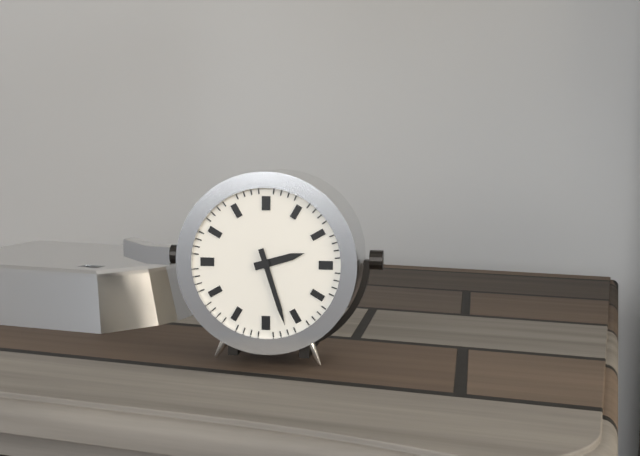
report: 2h27
